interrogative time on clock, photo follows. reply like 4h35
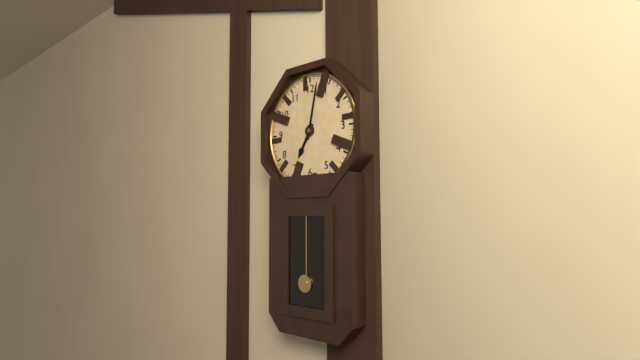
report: 7h02
